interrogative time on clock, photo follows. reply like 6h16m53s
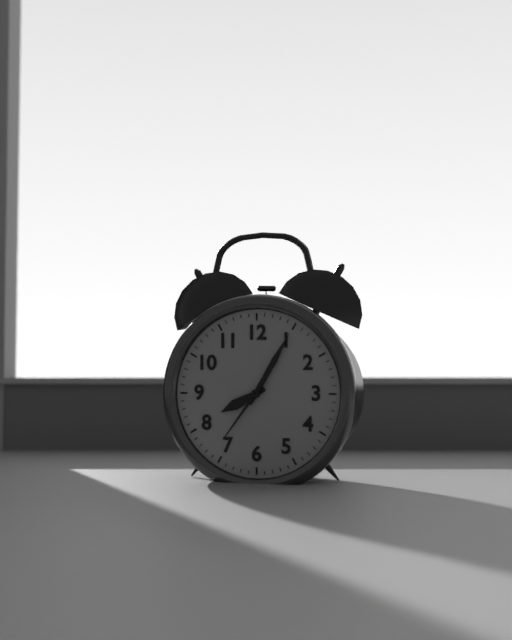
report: 8h05m36s
